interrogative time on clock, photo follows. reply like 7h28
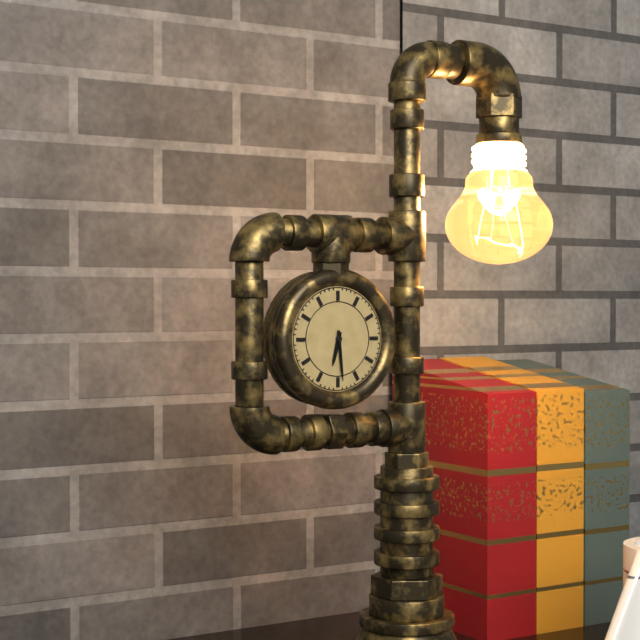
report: 6h29
